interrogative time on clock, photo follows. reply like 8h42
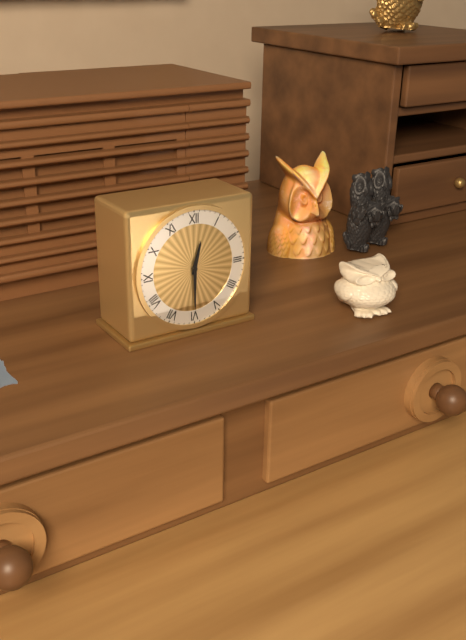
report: 12h30
